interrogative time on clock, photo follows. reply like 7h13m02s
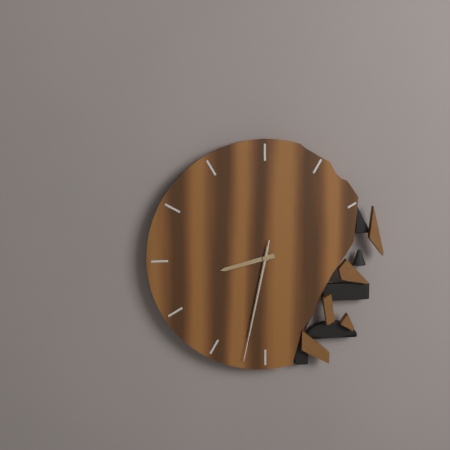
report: 8h32m32s
